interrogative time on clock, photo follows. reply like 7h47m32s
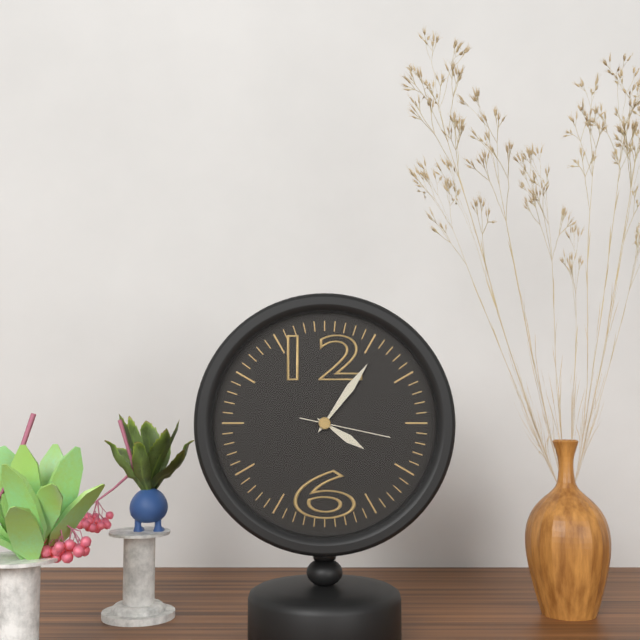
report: 4h06m17s
